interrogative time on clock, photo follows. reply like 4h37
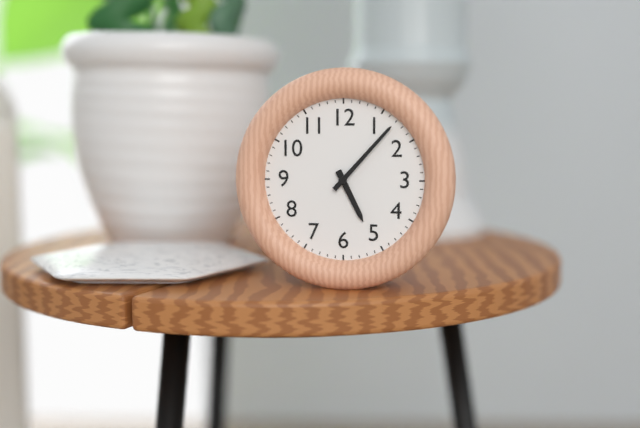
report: 5h07
